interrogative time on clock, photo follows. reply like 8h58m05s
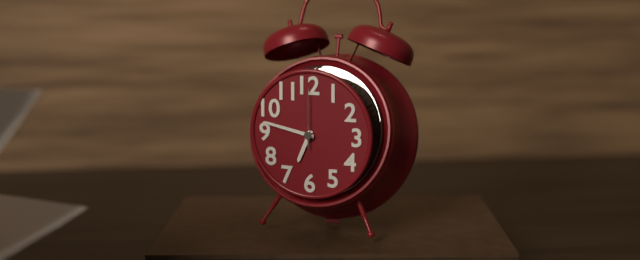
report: 6h47m00s
